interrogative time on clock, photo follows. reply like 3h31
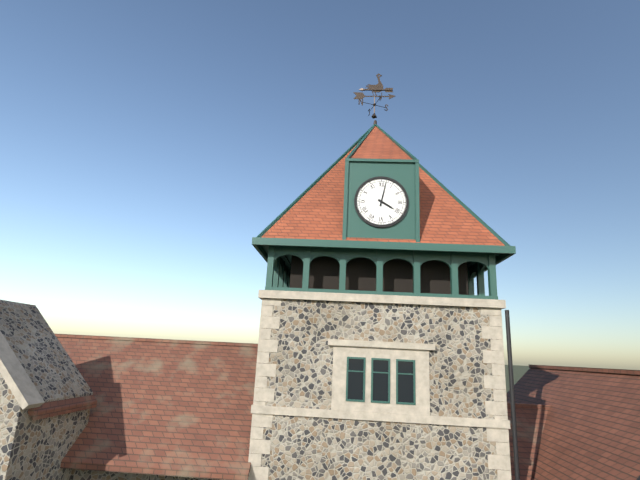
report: 4h02
